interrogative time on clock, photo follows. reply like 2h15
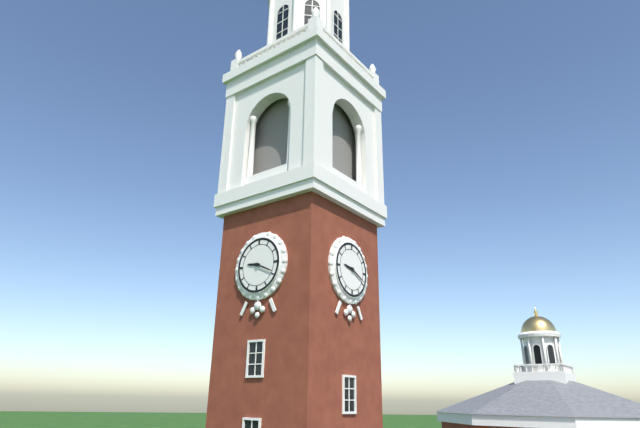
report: 9h19
